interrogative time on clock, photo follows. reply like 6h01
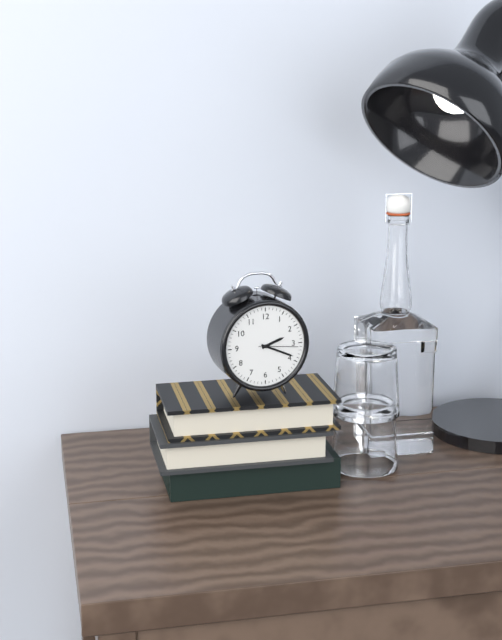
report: 2h19
